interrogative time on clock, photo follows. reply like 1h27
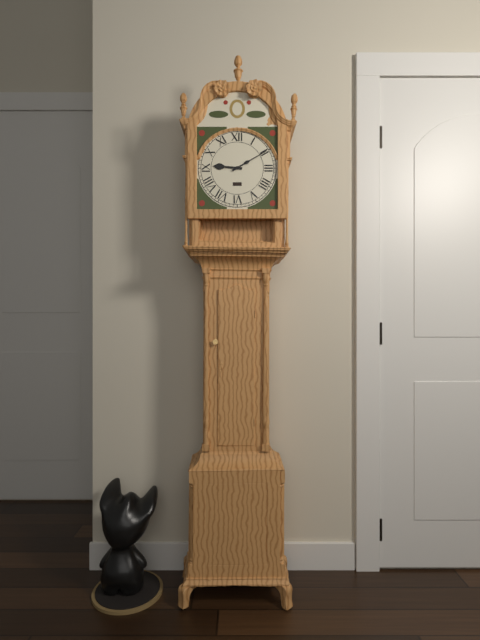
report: 9h10
